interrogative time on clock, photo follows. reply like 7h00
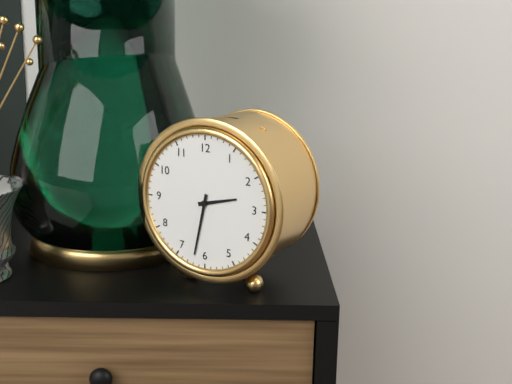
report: 2h32
